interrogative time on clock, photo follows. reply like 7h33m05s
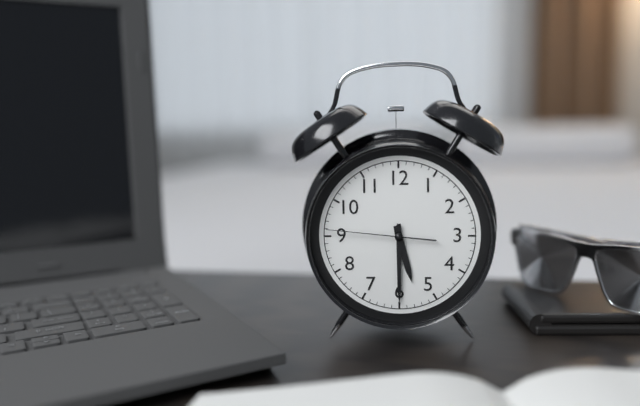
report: 5h30m46s
